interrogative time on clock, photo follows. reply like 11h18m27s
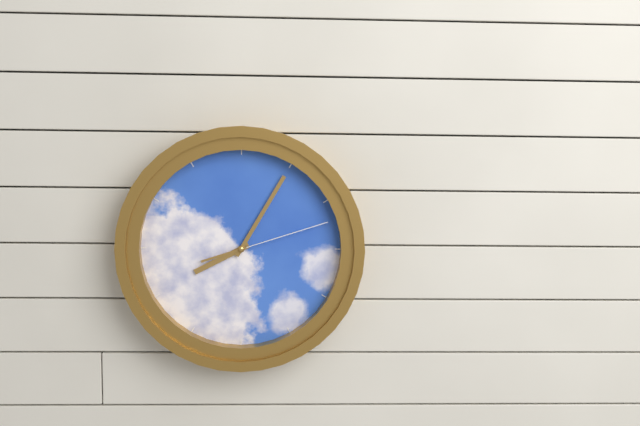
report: 8h05m12s
